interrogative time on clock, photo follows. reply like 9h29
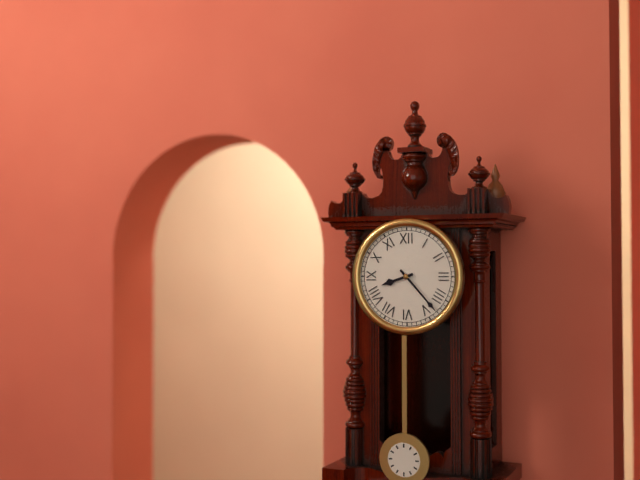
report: 8h23
